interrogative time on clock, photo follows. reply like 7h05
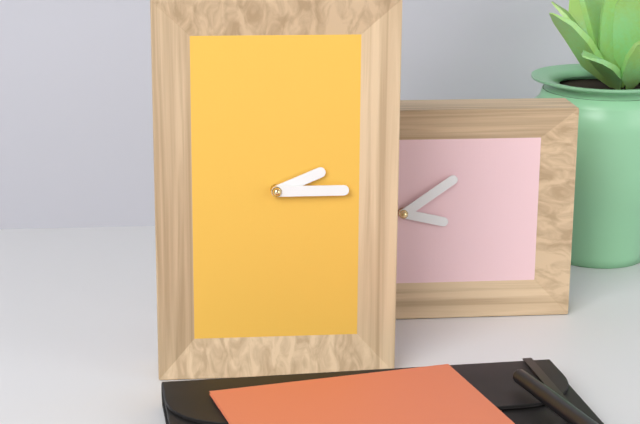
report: 2h15
